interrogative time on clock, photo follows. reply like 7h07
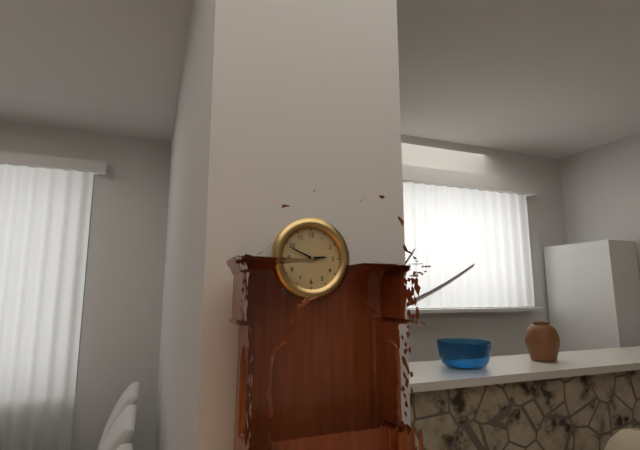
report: 2h49
